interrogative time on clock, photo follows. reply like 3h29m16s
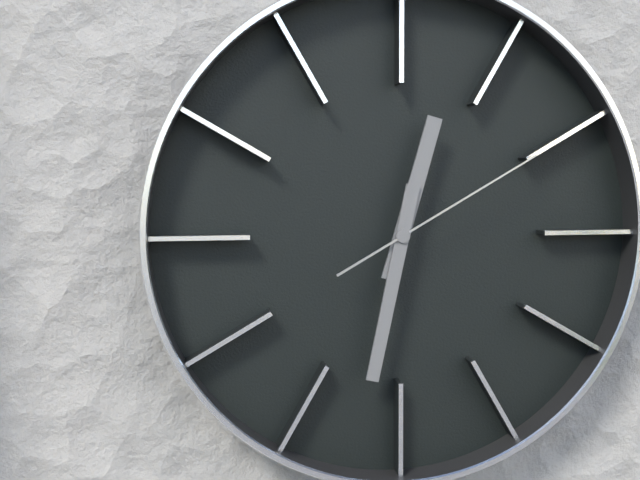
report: 12h32m10s
